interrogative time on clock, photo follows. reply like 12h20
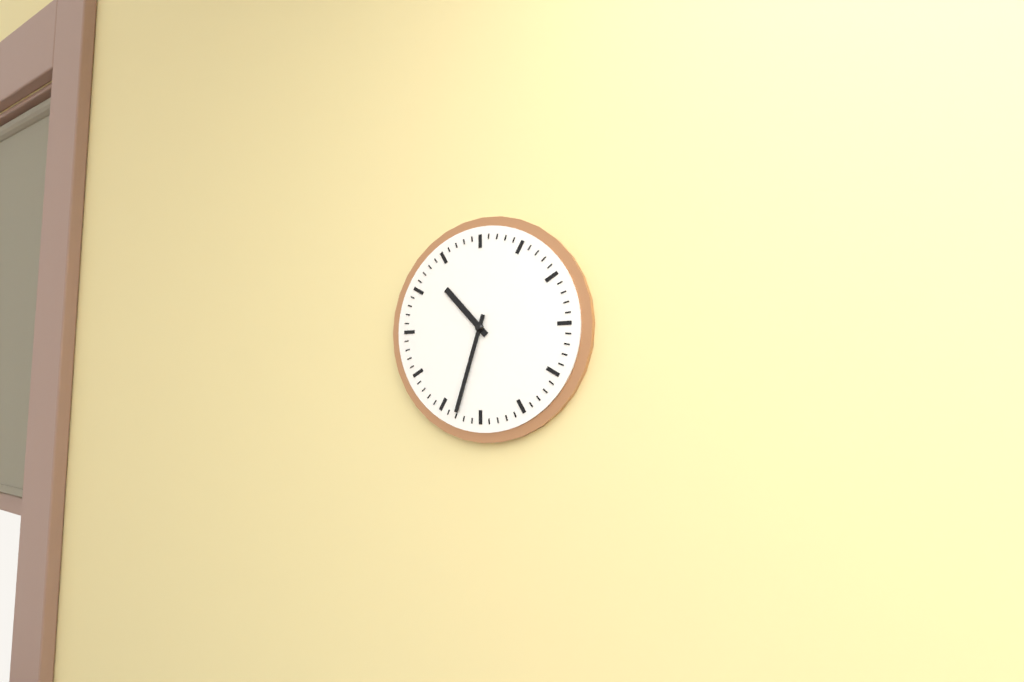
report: 10h33
